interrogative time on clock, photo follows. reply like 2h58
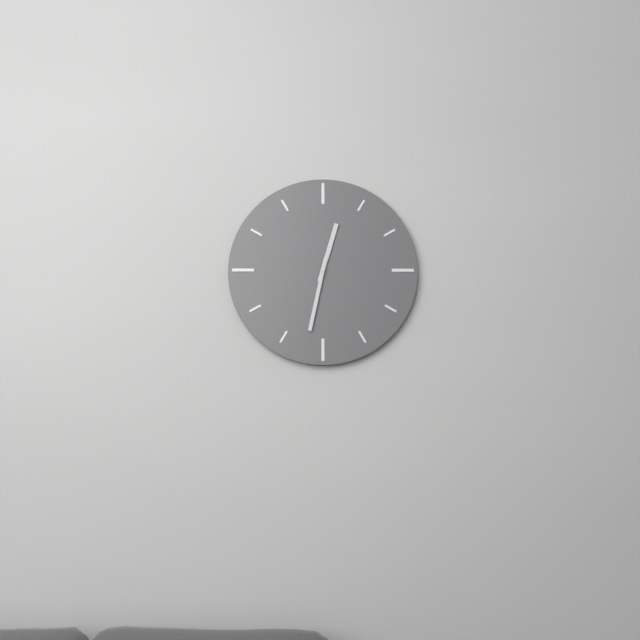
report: 12h32
